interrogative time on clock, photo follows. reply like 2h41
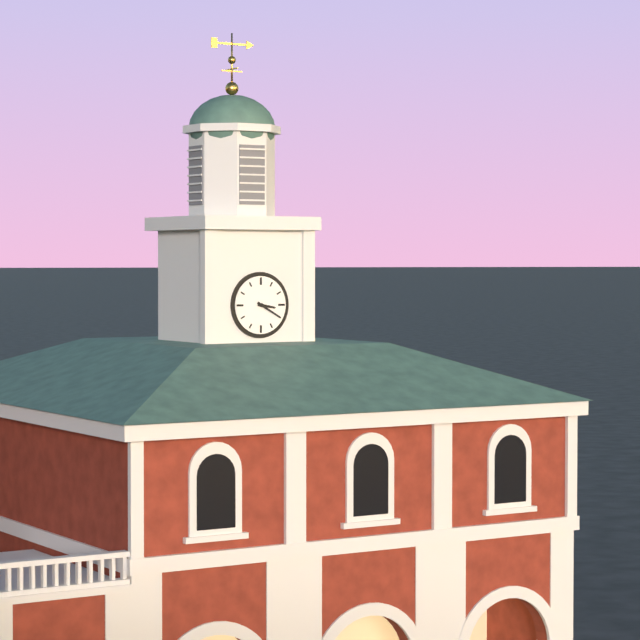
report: 3h20
